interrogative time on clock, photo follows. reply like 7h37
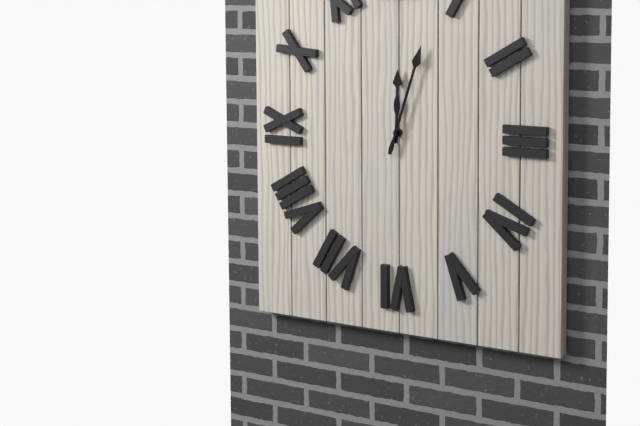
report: 12h03
